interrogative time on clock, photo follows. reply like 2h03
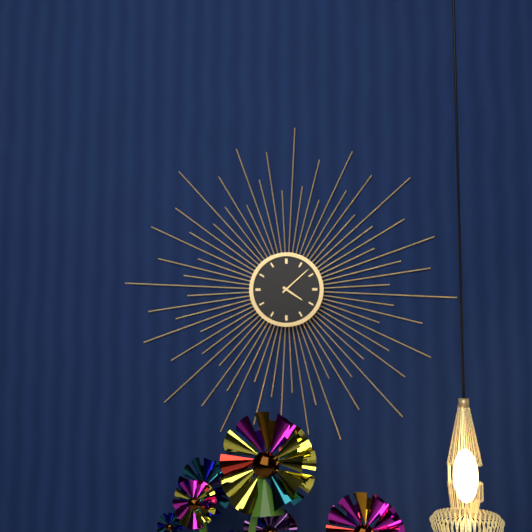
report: 4h08
